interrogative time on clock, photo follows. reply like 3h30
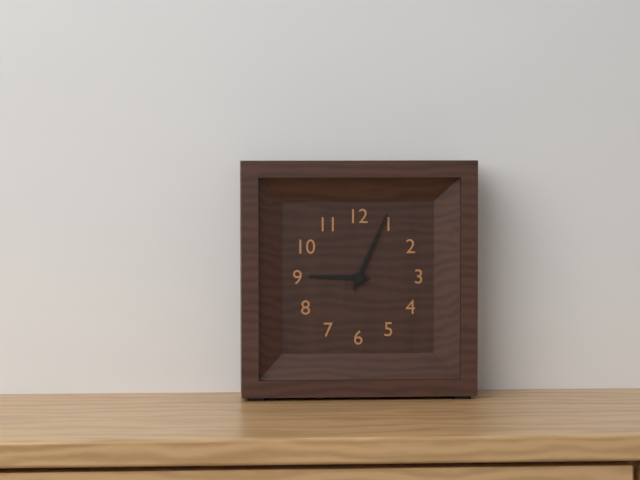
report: 9h04
